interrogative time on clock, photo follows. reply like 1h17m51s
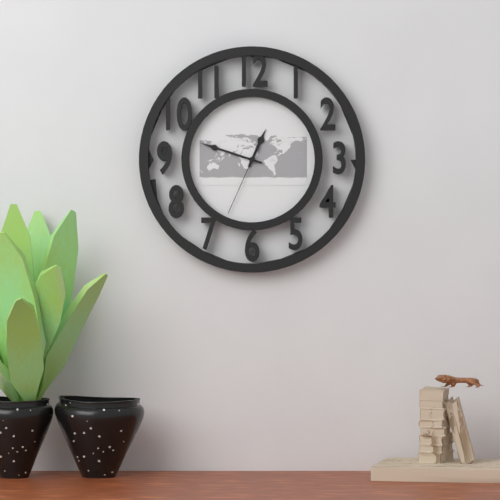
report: 12h48m34s
